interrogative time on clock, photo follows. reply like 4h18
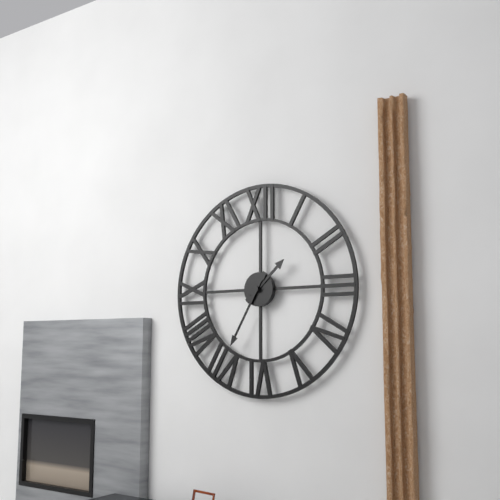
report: 1h35
